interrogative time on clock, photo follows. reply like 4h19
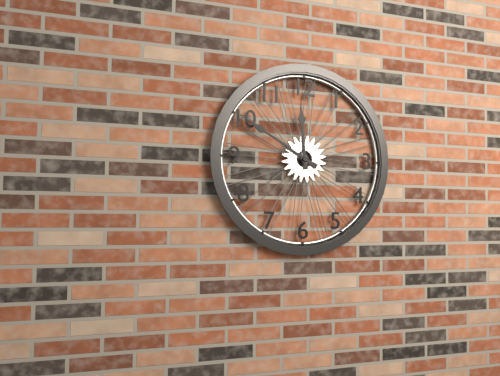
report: 11h50
